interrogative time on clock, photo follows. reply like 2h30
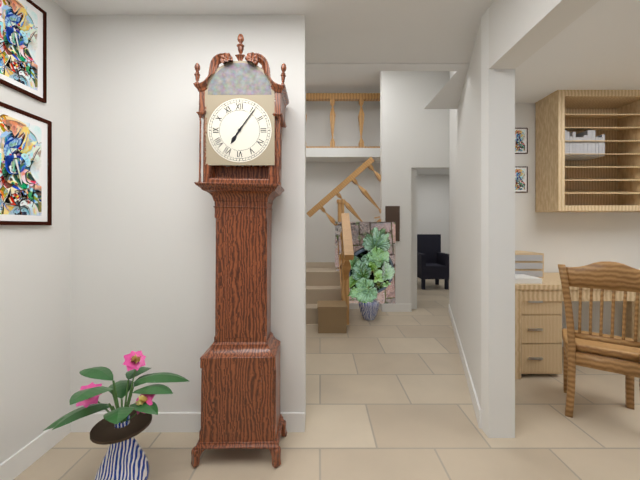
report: 7h06
